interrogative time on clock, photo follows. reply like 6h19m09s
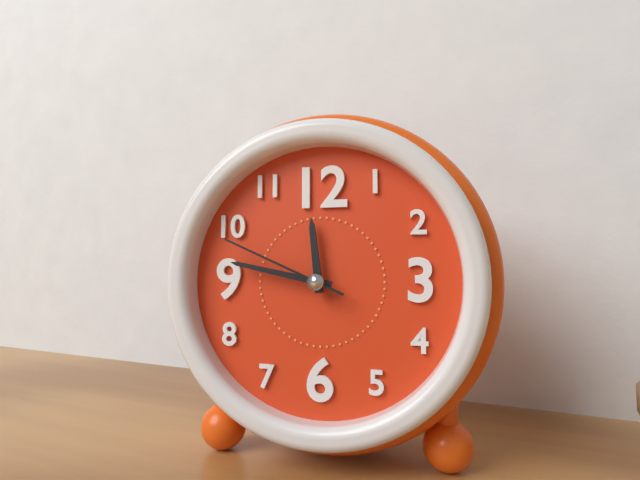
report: 11h47m49s
